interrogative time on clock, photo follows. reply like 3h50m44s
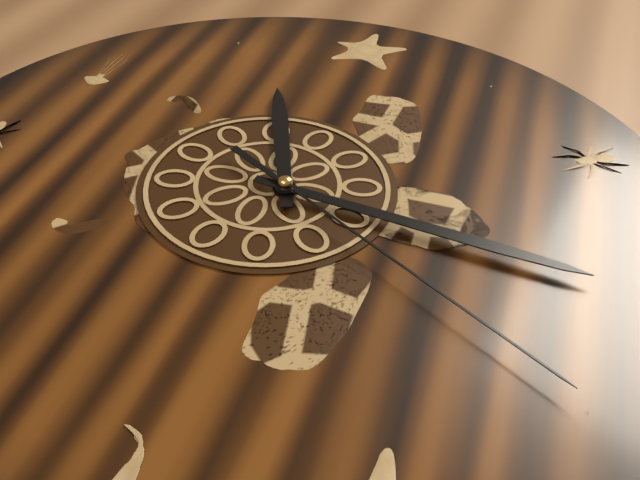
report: 11h16m20s
